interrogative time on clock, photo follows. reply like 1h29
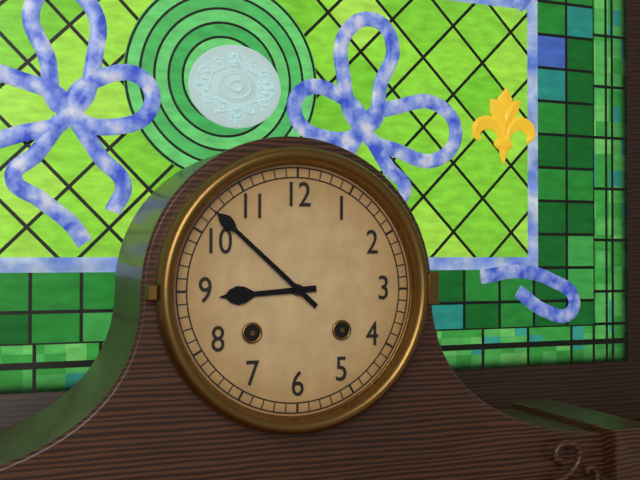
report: 8h52
